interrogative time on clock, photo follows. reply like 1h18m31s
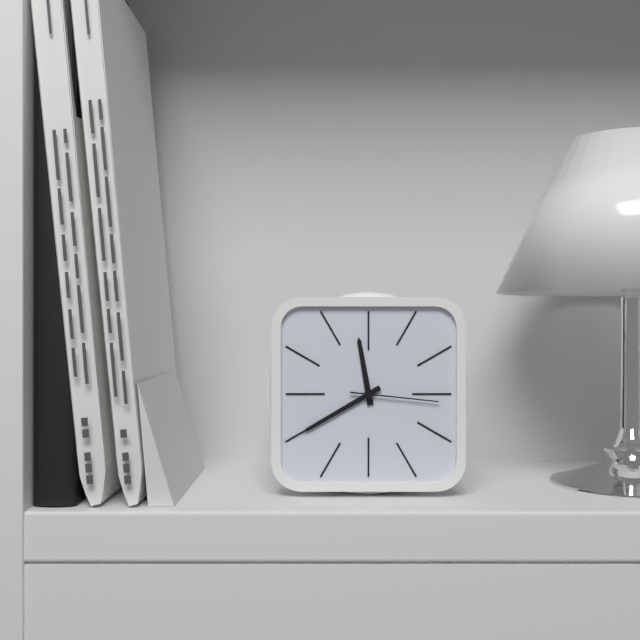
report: 11h40m16s
